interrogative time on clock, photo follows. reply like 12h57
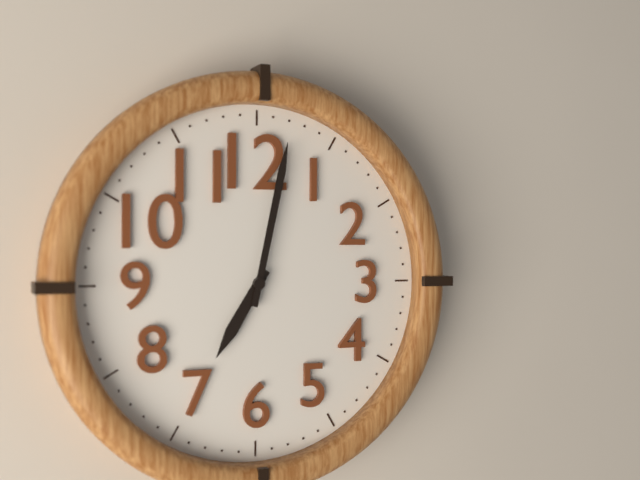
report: 7h02
